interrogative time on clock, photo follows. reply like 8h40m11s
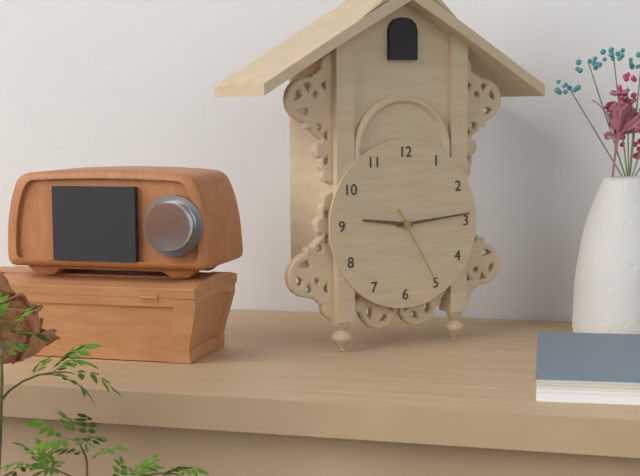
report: 9h14m25s
